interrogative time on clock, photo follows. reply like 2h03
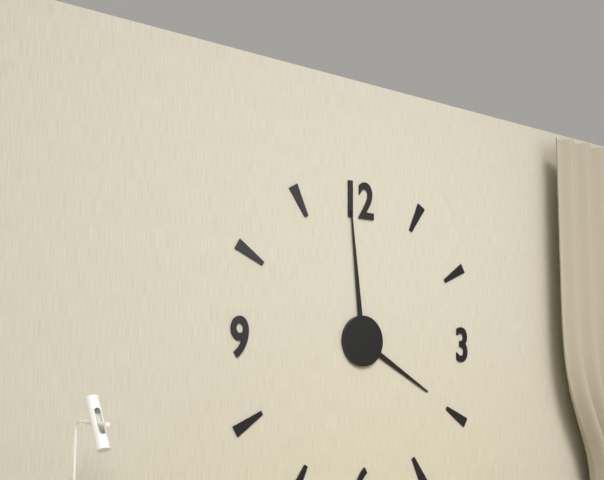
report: 3h59
